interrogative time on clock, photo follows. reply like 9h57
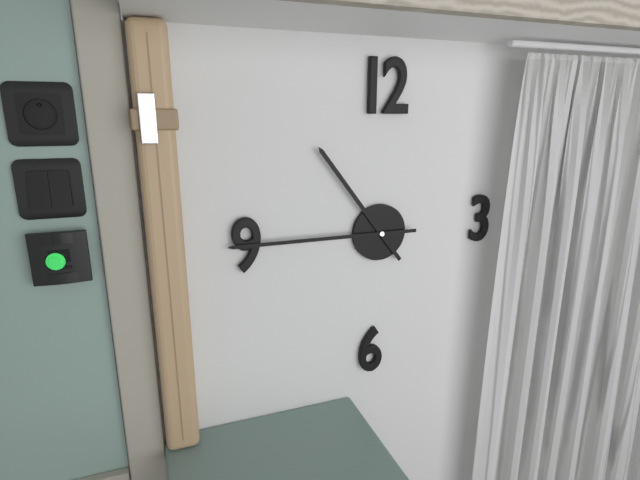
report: 10h45
